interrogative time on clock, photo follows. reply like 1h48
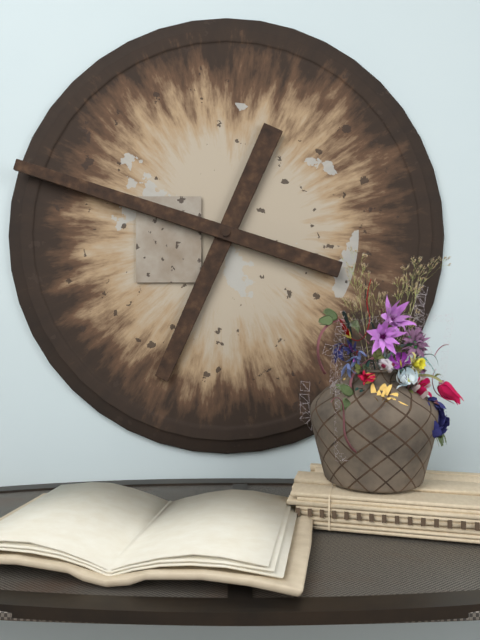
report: 6h48
